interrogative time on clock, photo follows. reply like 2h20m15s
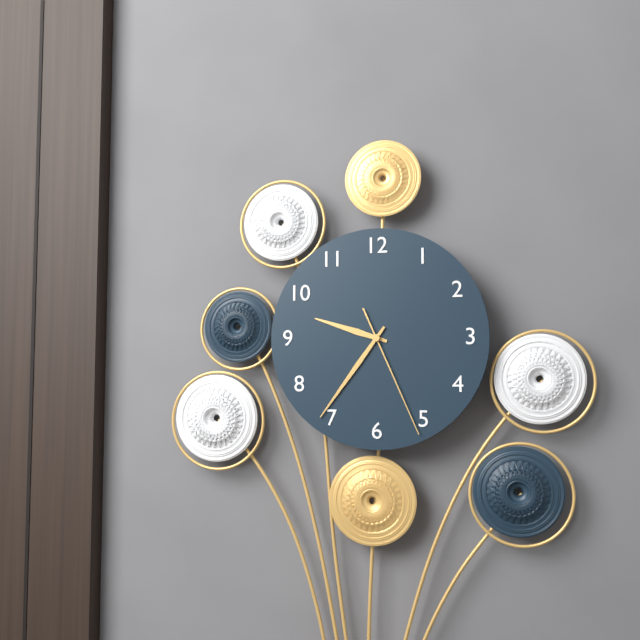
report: 9h36m26s
